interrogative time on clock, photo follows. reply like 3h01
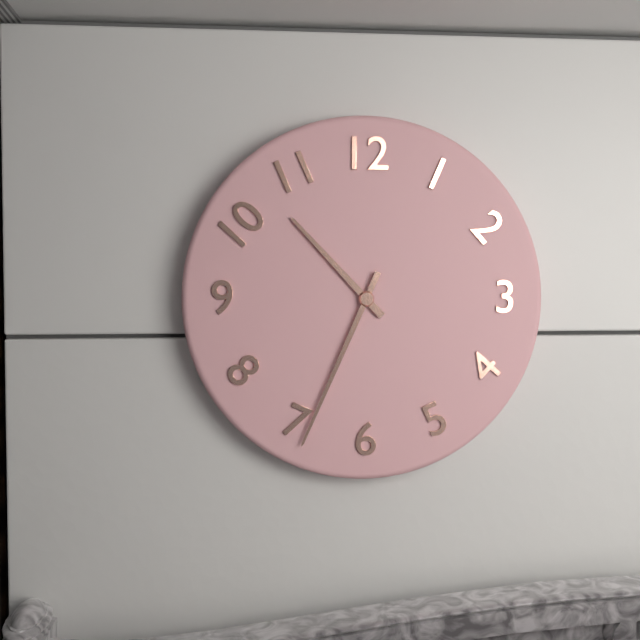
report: 10h34
